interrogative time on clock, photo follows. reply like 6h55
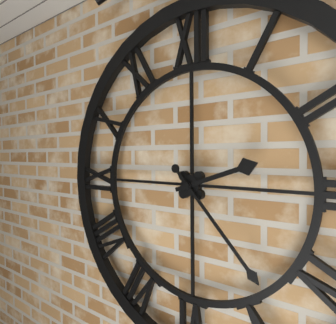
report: 2h23
